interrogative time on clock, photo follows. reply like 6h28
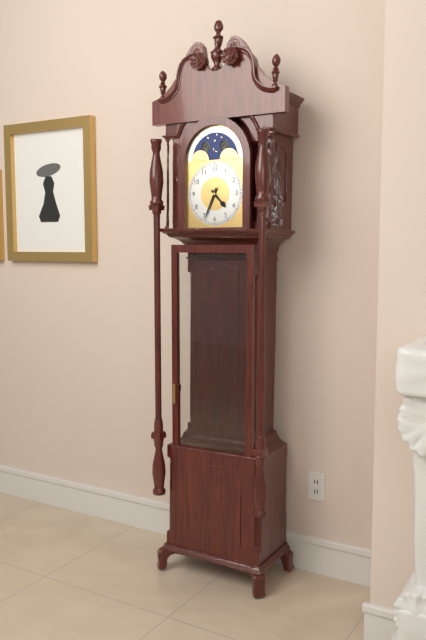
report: 4h34
